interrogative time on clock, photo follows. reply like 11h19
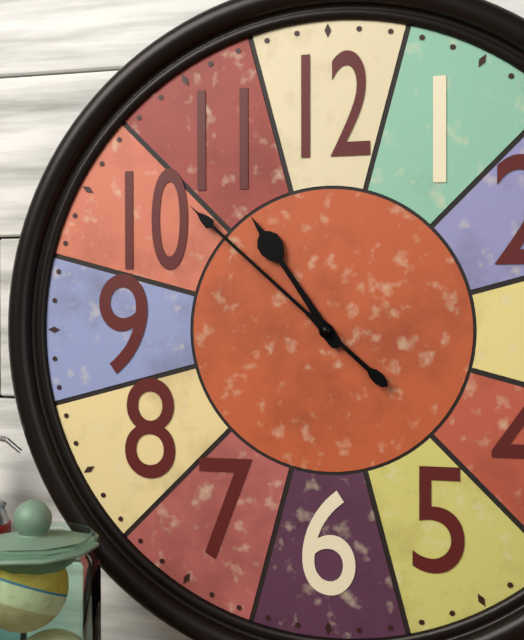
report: 10h52
